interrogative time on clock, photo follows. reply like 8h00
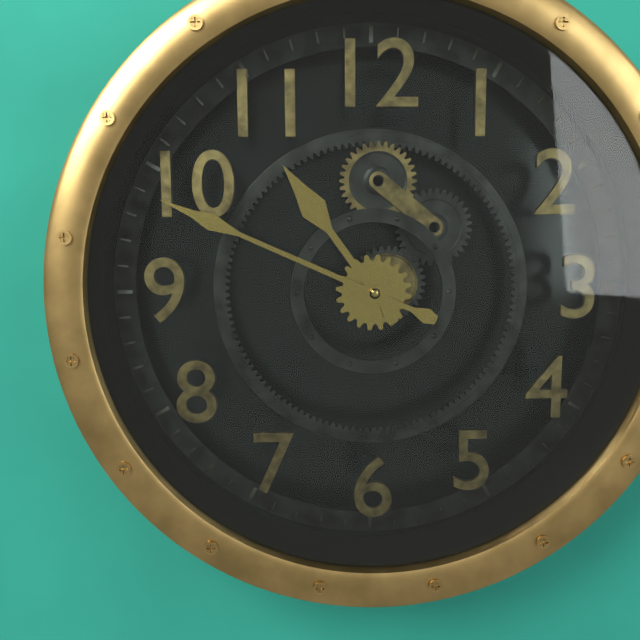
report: 10h49
